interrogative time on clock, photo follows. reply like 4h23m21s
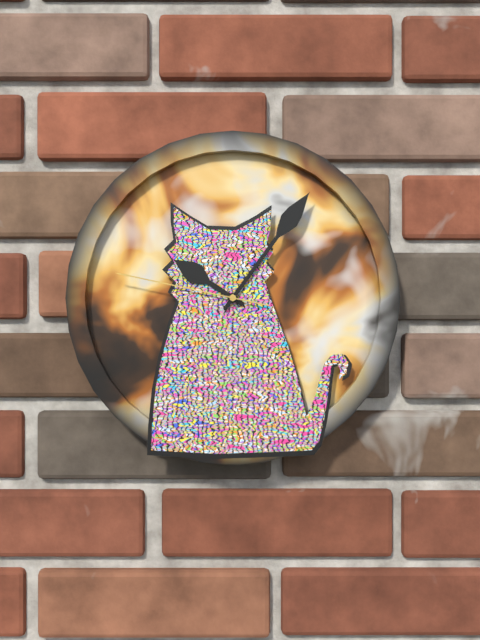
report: 10h06m47s
